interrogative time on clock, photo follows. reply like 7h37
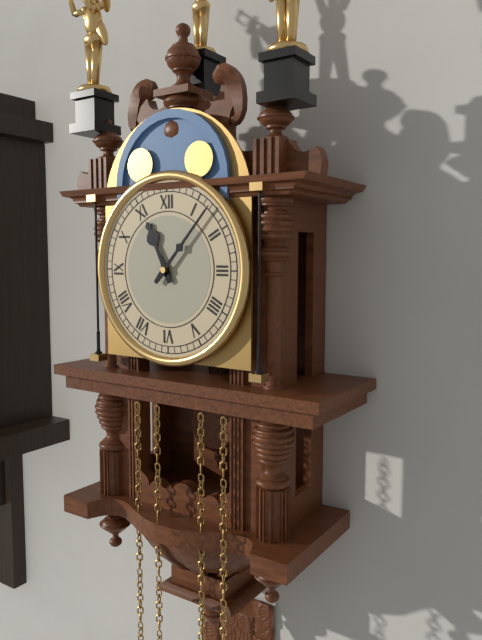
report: 11h07
